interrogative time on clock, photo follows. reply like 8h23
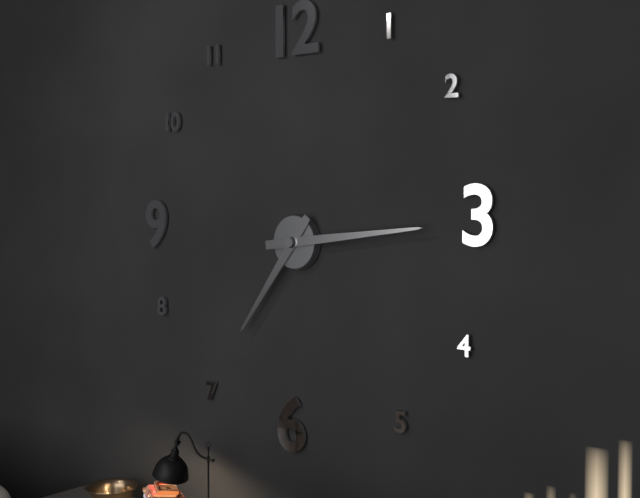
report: 7h14
